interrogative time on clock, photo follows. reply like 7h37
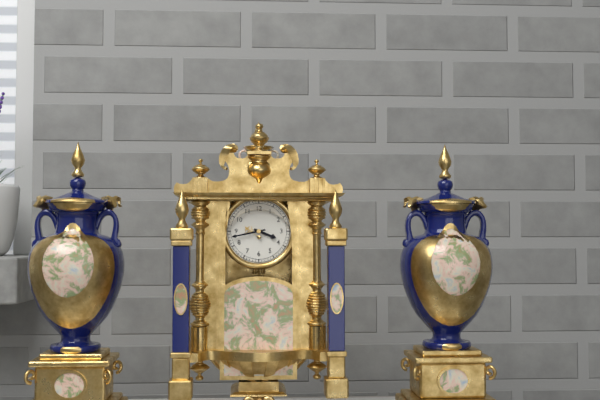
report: 3h43
